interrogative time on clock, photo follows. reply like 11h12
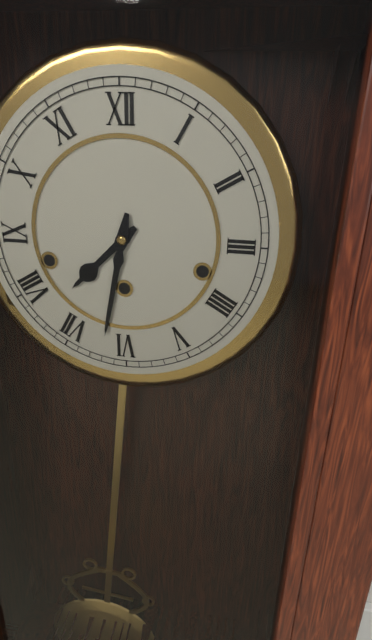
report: 7h32
